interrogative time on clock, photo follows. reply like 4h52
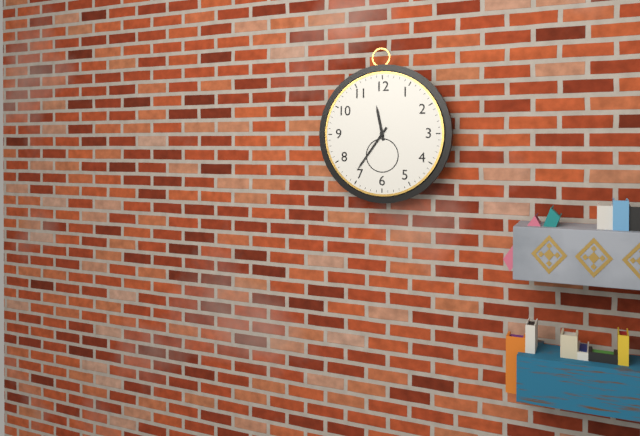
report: 11h36
